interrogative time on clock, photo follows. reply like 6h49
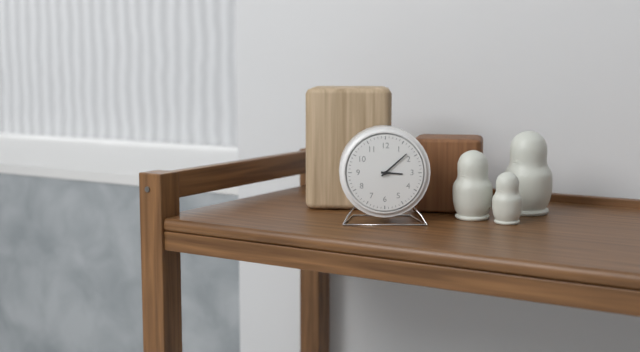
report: 3h08
